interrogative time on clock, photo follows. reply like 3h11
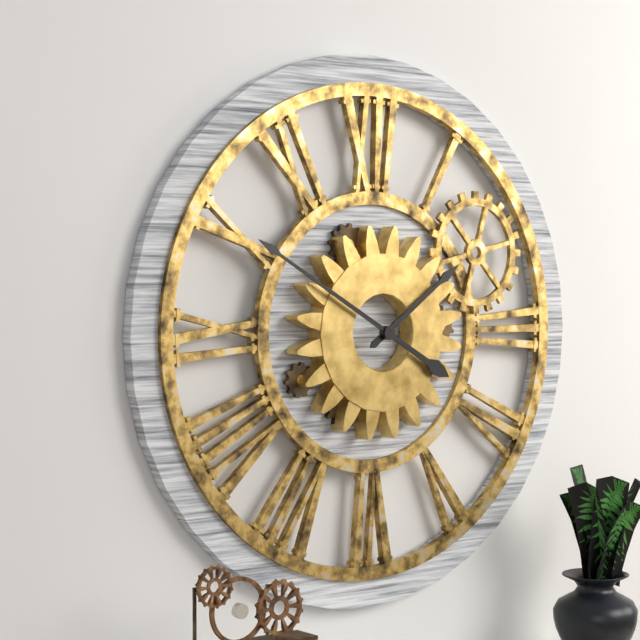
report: 1h50
